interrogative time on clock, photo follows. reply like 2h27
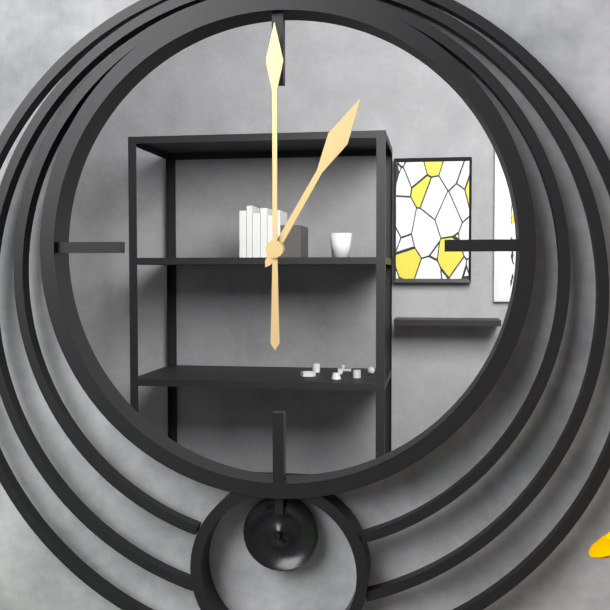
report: 1h00
